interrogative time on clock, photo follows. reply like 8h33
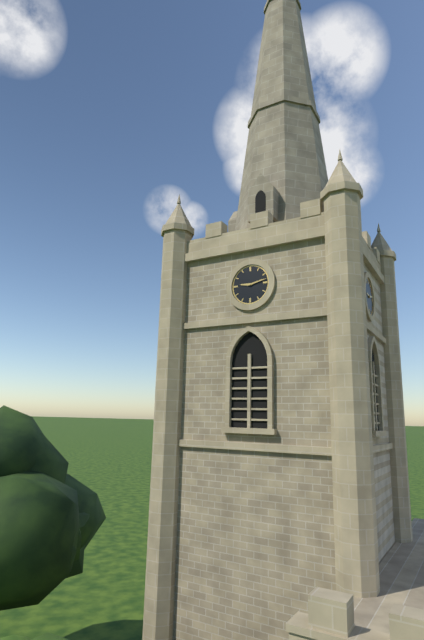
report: 9h13
